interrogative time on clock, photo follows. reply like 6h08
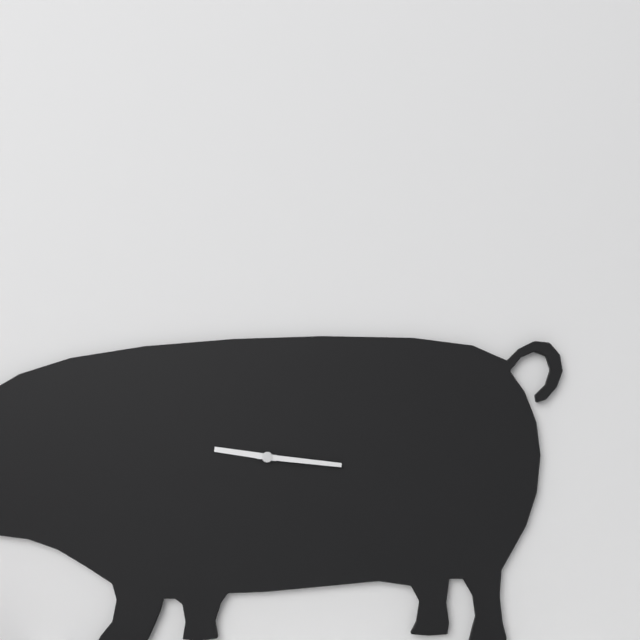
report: 9h16
